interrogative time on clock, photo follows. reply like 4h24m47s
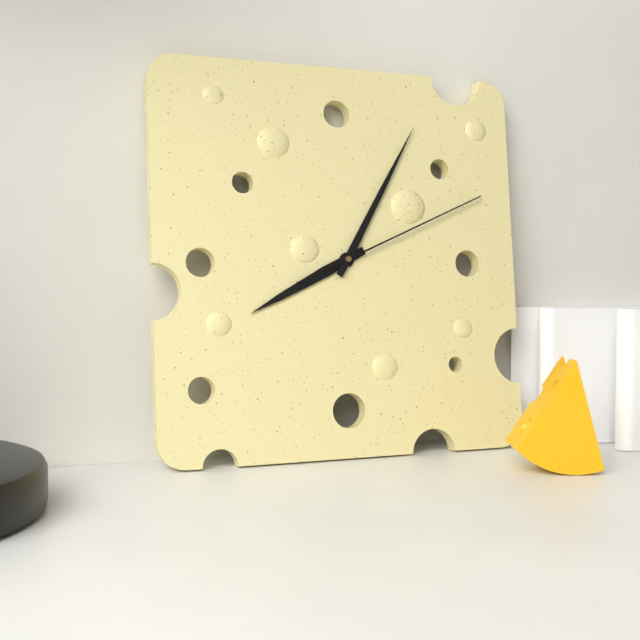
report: 8h05m11s
